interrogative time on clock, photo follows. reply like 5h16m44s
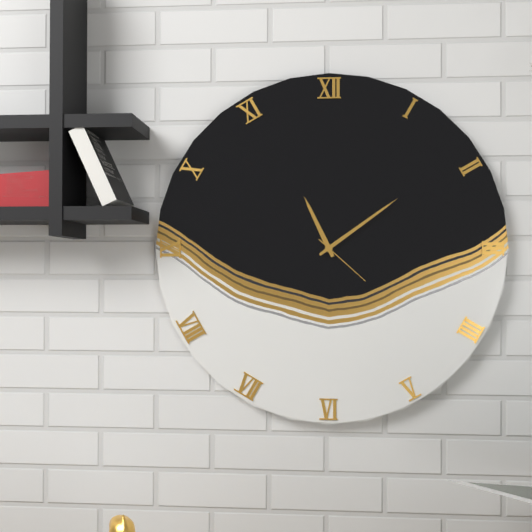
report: 11h09m22s
